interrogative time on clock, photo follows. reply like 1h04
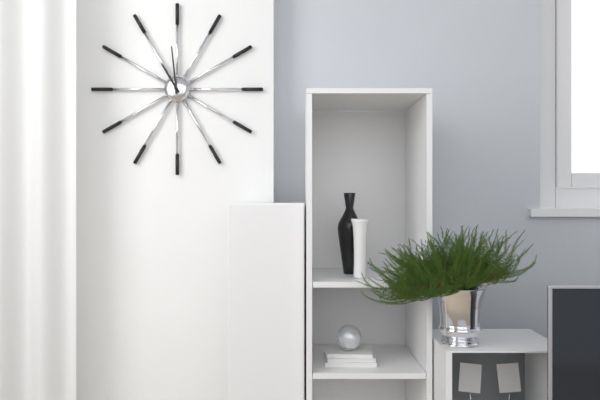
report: 10h59
